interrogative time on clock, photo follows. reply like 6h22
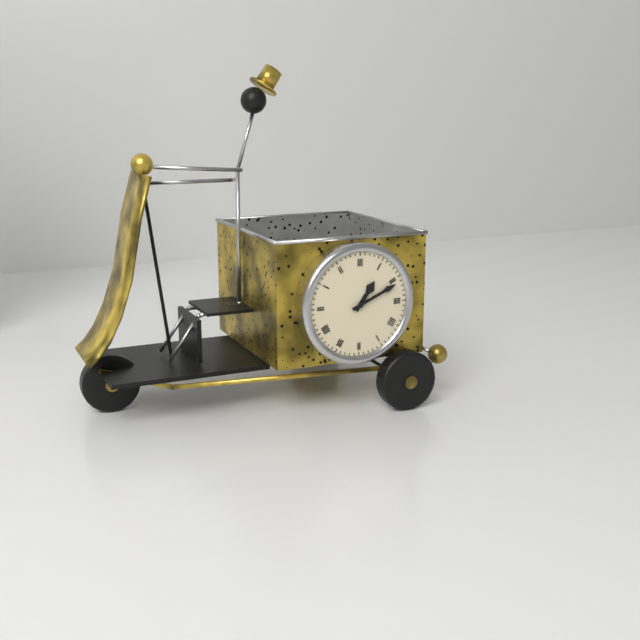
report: 1h11
